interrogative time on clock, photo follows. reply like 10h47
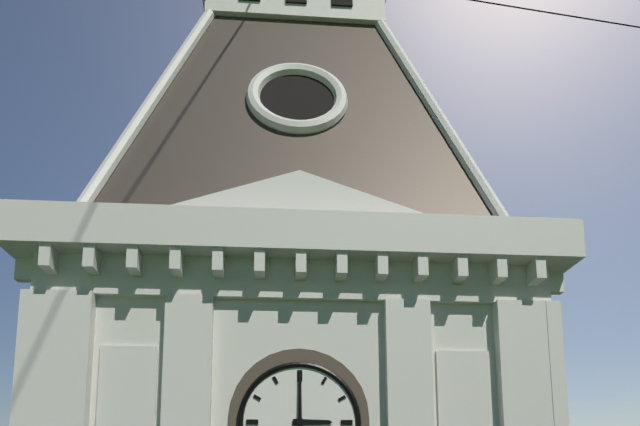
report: 3h00
